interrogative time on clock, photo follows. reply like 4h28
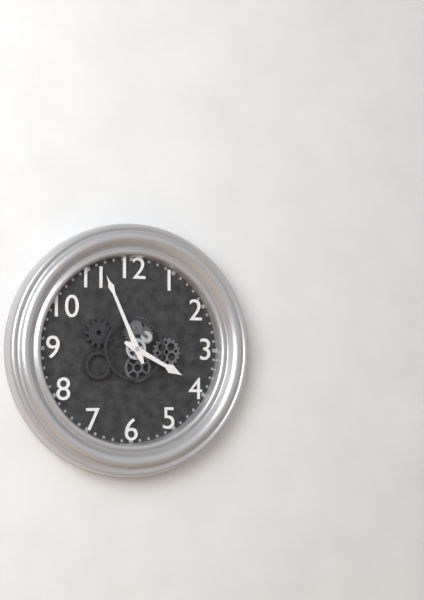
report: 3h56
